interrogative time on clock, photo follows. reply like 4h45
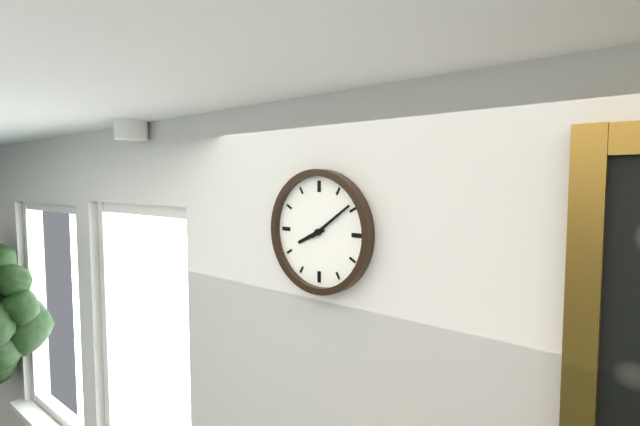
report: 8h09
